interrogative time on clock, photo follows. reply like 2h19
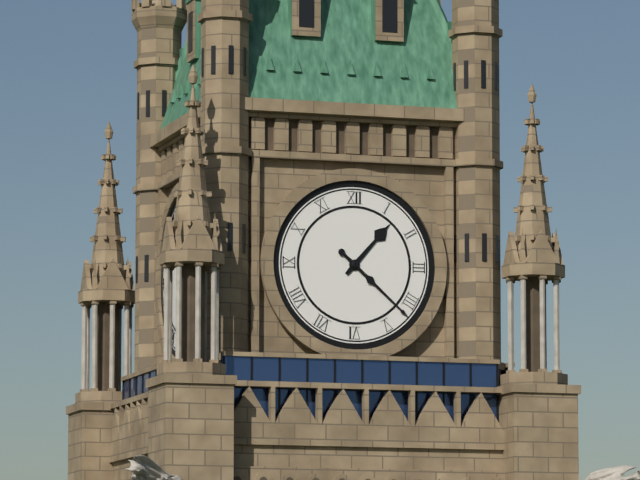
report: 1h22
